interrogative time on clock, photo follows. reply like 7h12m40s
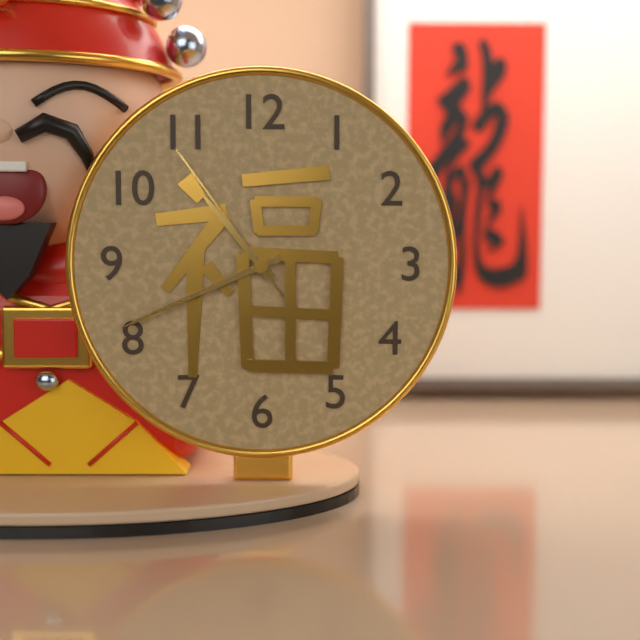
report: 10h41m54s
